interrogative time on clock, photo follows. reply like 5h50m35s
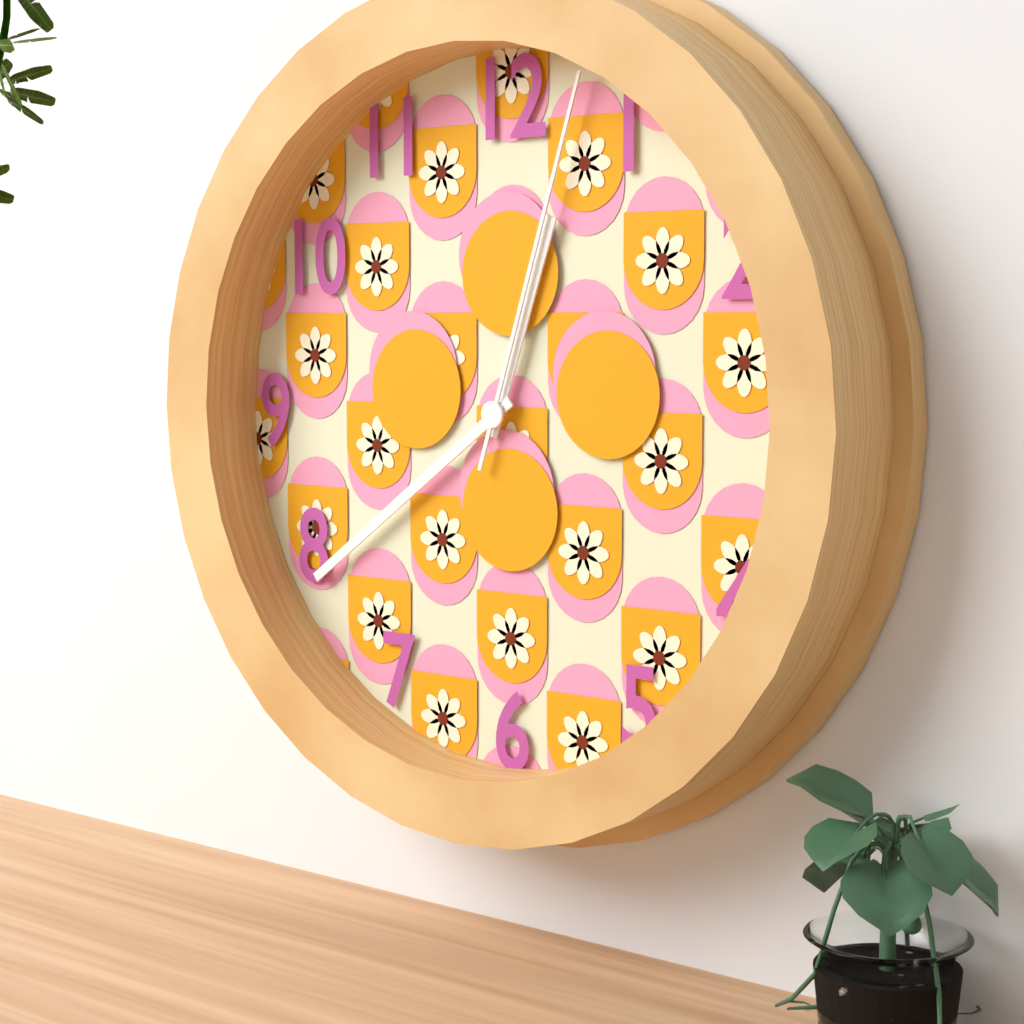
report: 12h39m03s
